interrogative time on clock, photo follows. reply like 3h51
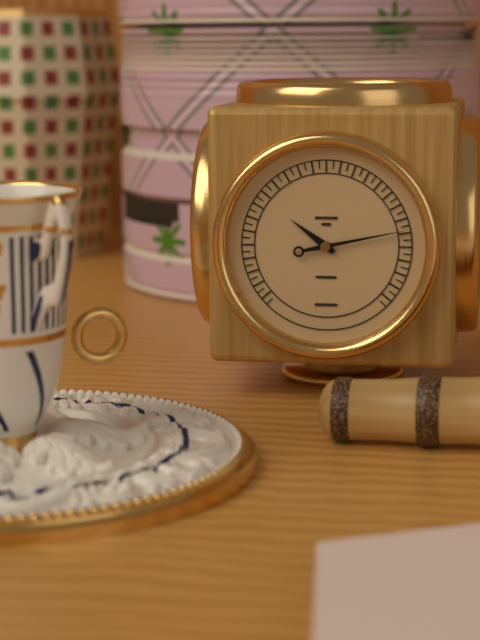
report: 10h13
